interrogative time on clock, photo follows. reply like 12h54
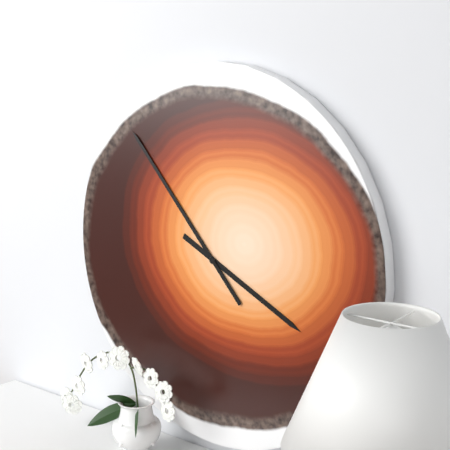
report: 3h53
